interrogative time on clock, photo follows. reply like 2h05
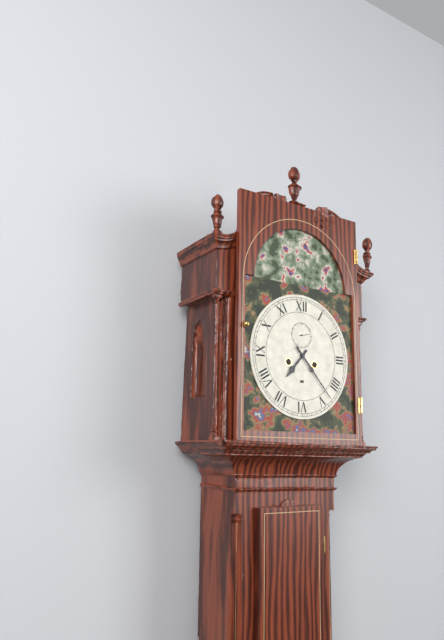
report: 7h23
